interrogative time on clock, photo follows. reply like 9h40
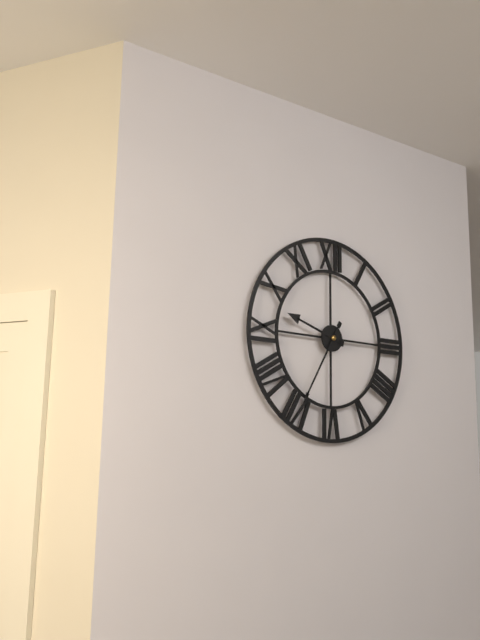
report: 9h35
